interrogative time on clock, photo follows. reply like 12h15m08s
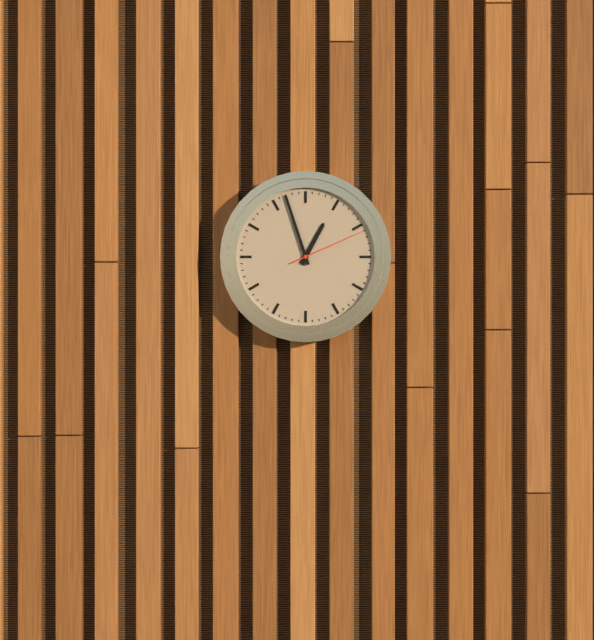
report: 12h57m11s
